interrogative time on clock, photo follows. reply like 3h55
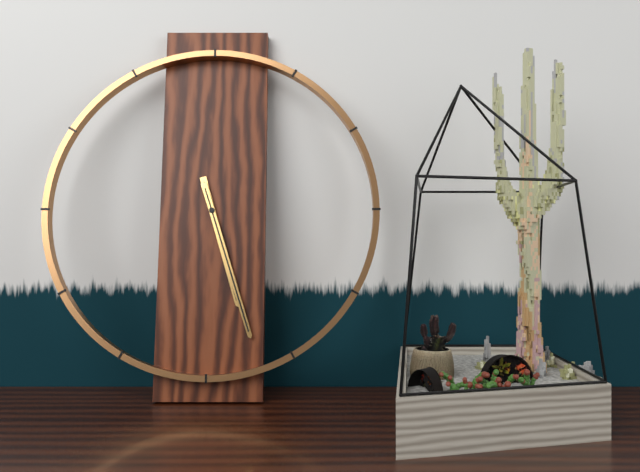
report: 5h27
